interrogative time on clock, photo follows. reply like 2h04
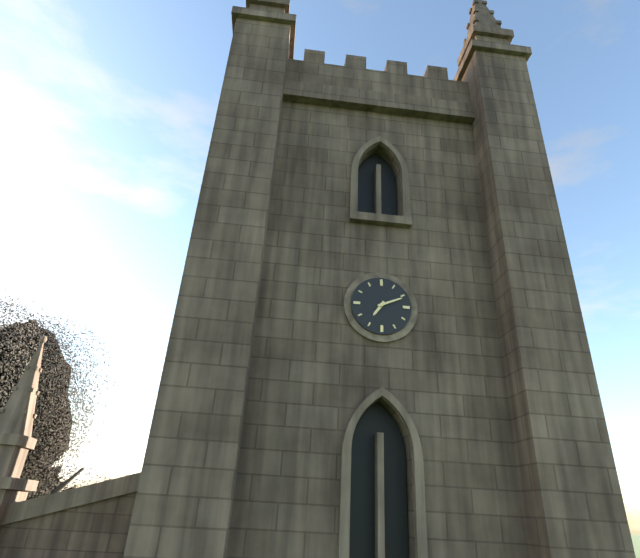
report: 7h11
